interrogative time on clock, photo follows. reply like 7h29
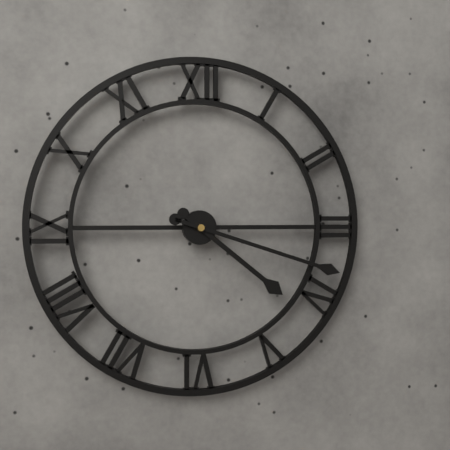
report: 4h18
